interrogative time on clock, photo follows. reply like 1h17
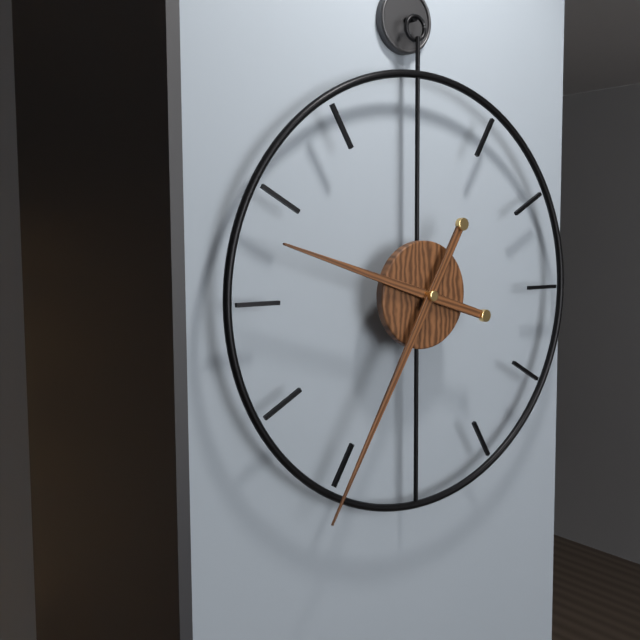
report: 9h35
